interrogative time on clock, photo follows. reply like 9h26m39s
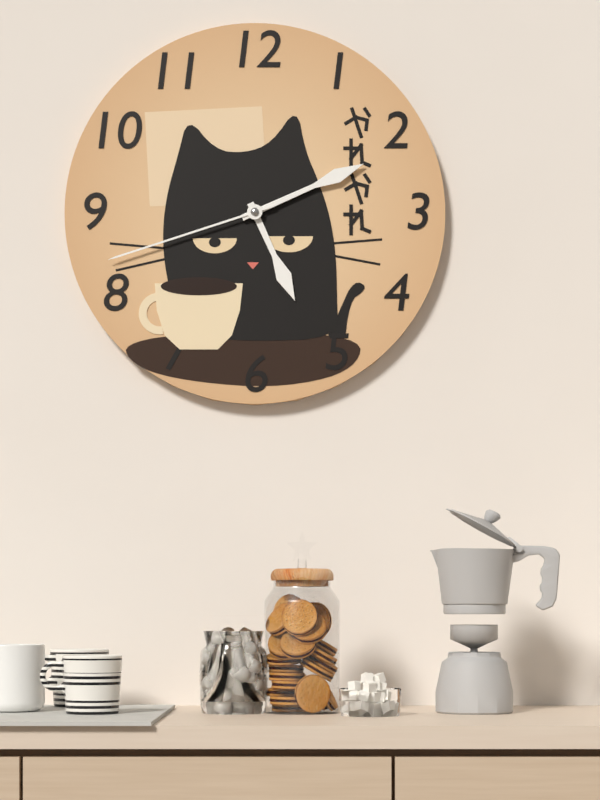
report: 5h11m42s
